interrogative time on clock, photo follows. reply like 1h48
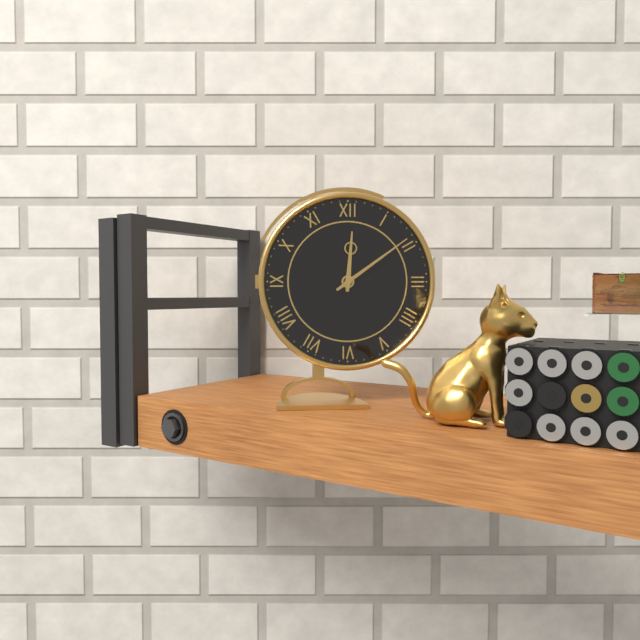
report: 12h09
